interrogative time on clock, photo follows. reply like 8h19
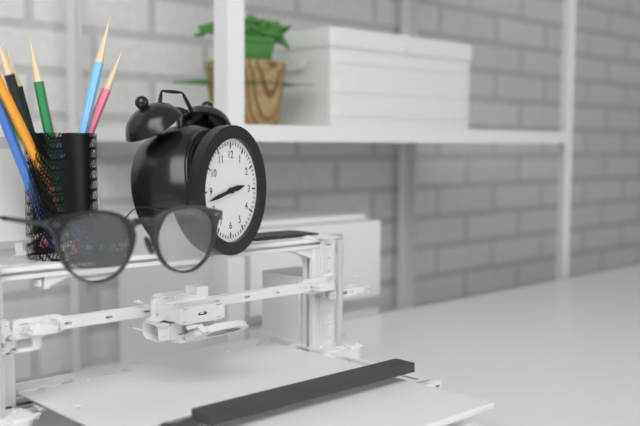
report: 2h43
